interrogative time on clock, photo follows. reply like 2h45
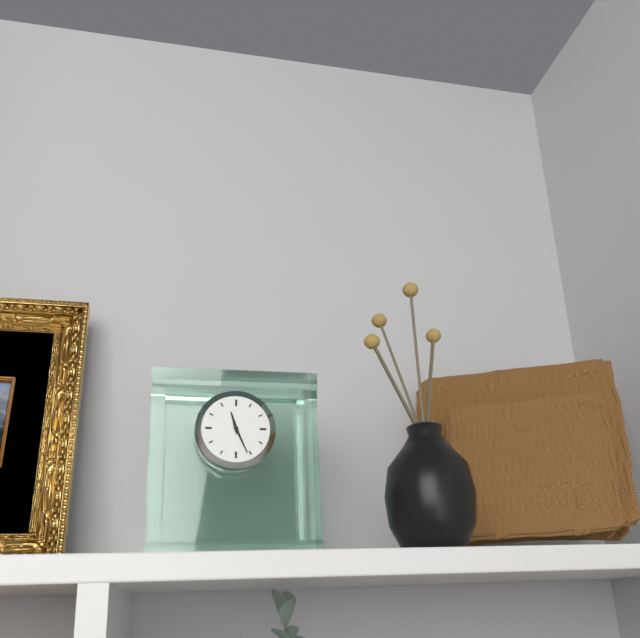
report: 11h26
